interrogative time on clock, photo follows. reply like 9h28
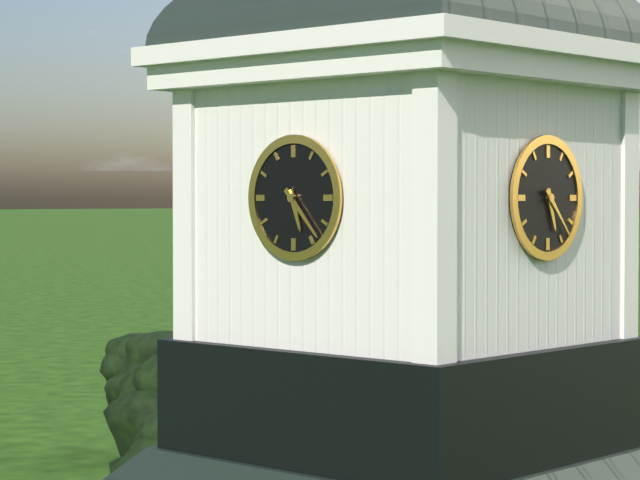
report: 5h23
